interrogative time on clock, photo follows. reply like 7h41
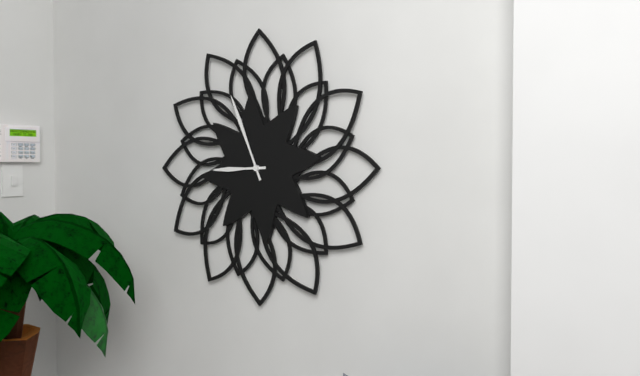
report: 8h56
